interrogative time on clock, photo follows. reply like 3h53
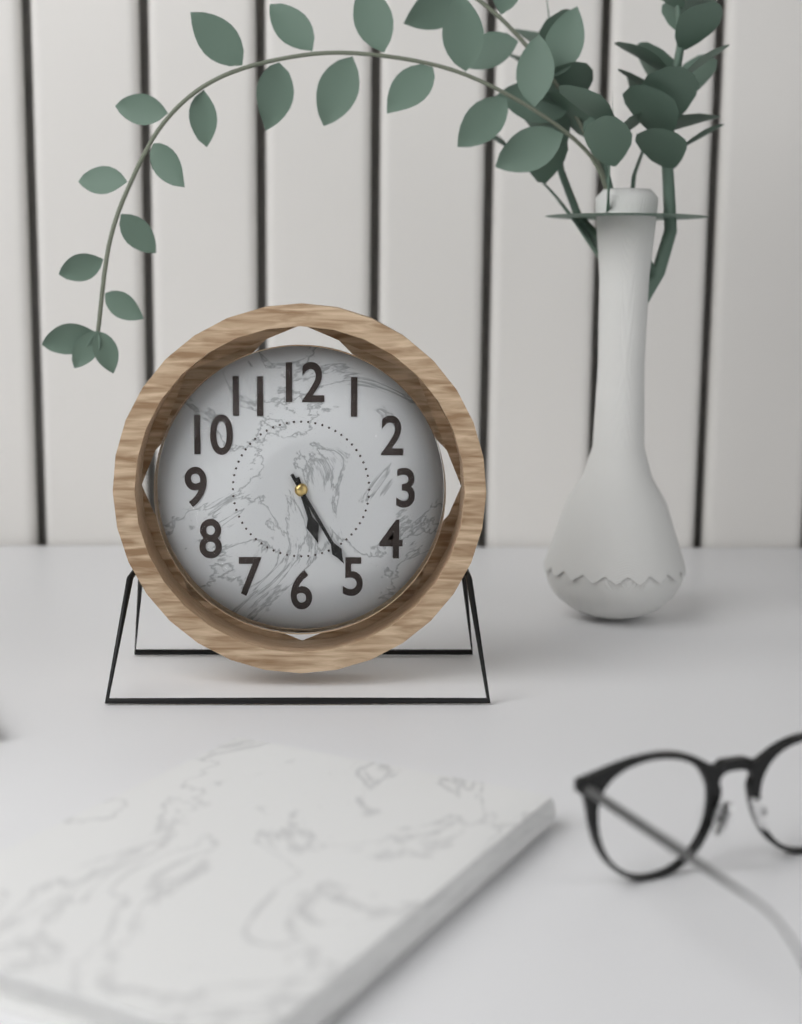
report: 5h25
